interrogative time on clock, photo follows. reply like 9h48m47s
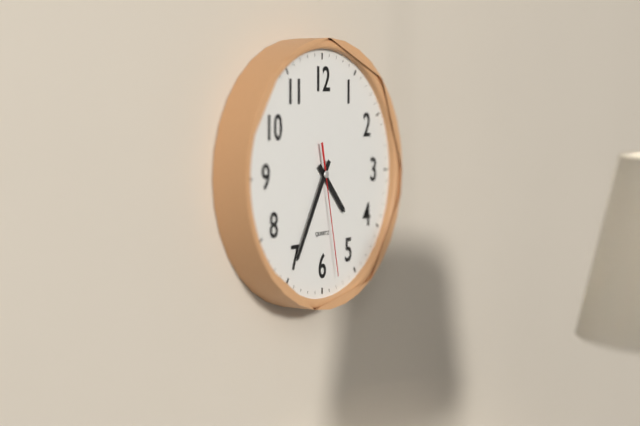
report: 4h35m28s
